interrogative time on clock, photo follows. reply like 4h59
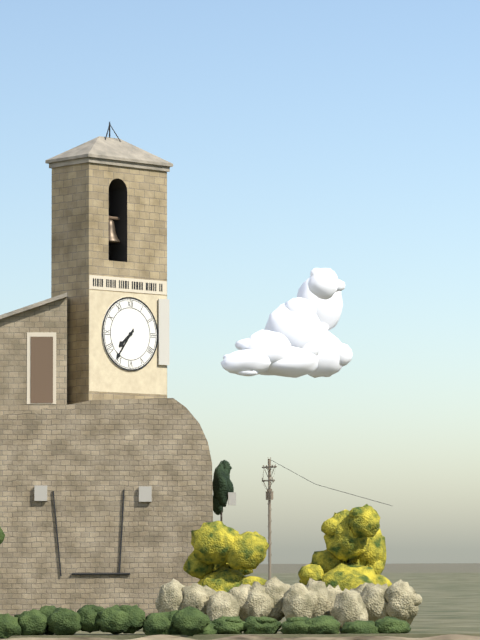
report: 7h36
